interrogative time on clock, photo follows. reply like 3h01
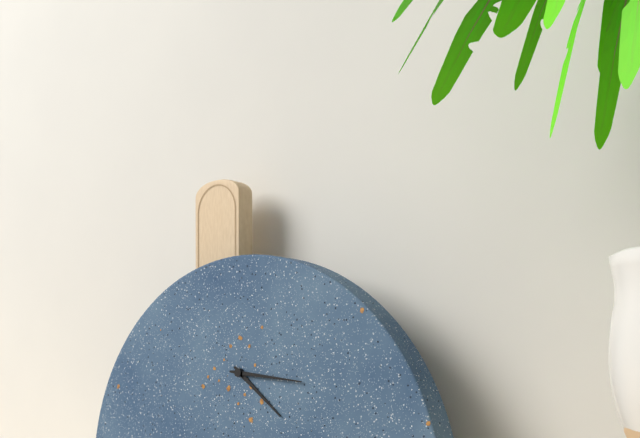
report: 4h16
